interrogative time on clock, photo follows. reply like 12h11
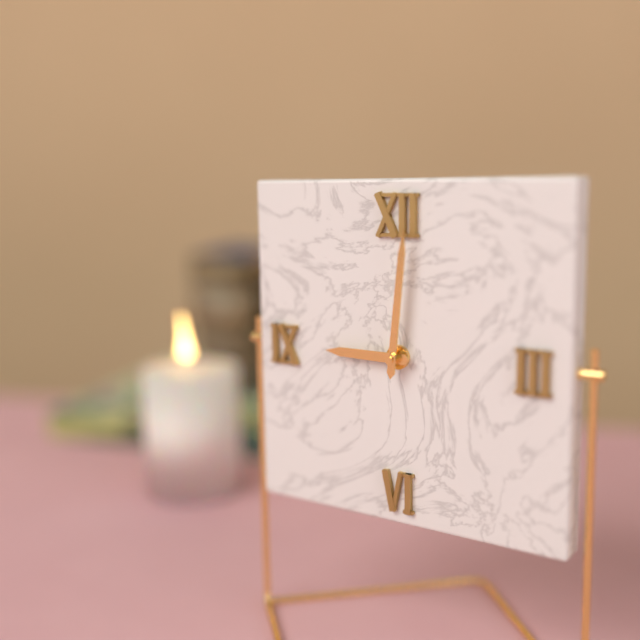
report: 9h01
